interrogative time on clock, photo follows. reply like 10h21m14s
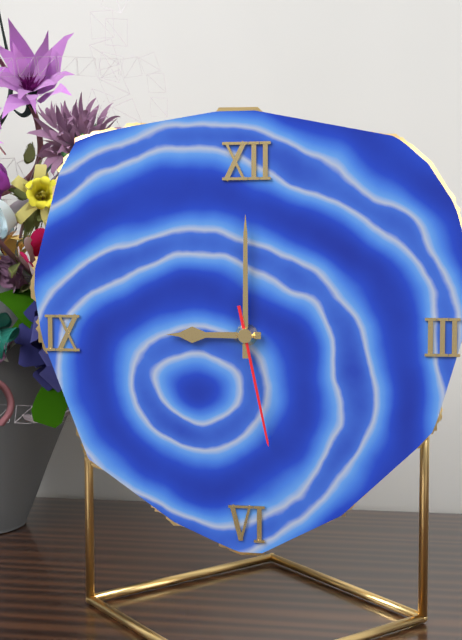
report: 9h00m28s
